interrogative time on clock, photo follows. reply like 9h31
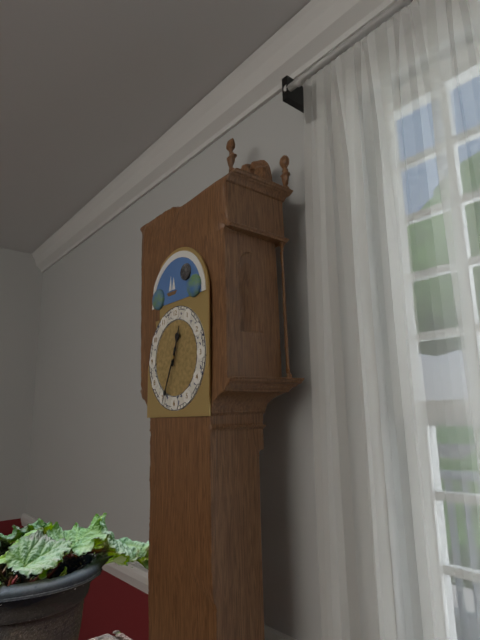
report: 12h34
